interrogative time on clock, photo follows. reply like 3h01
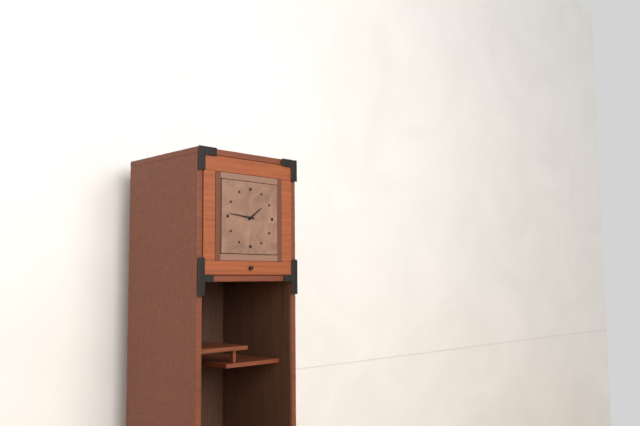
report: 1h46
